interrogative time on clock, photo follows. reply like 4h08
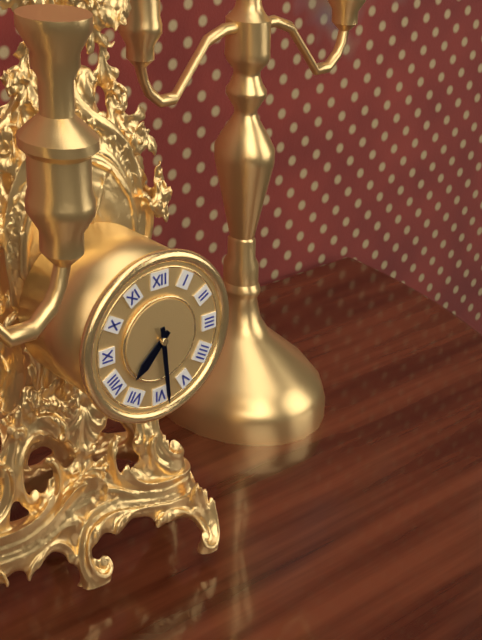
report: 7h29
